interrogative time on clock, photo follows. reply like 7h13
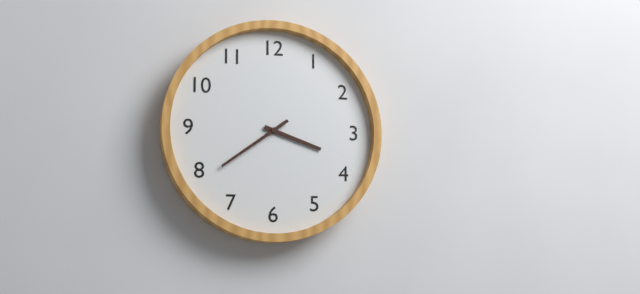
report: 3h39
